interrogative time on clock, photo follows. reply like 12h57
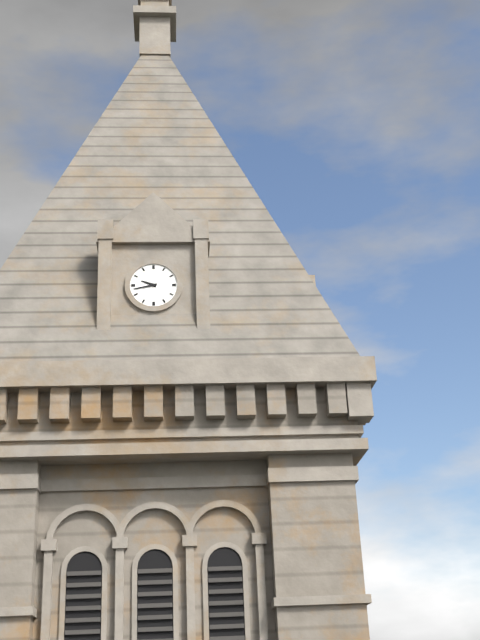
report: 9h43
